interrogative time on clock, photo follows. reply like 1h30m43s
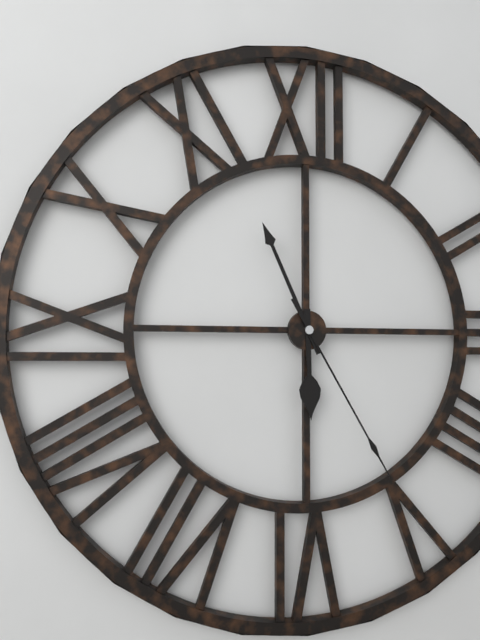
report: 5h56m25s
